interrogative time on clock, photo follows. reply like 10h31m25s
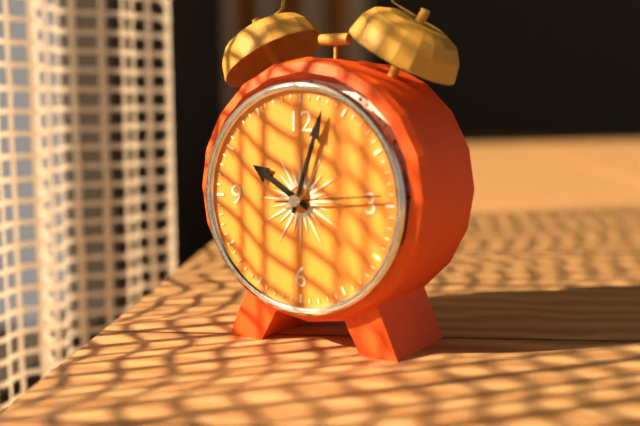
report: 10h03m14s
